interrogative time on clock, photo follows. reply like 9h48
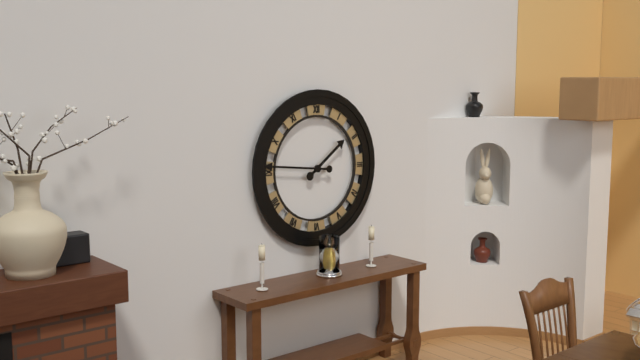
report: 1h46
